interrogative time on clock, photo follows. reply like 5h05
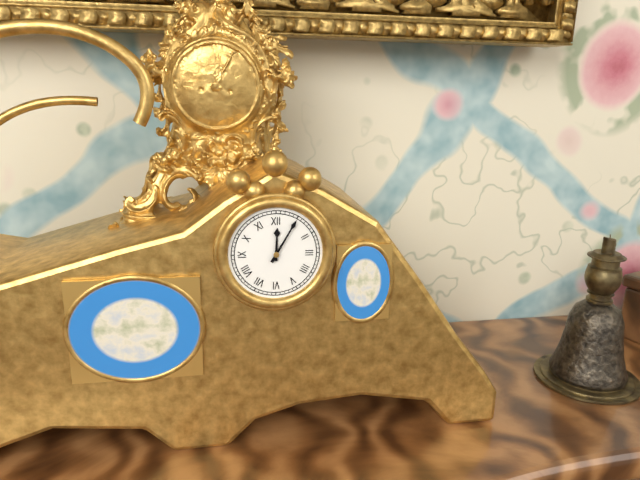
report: 12h05
